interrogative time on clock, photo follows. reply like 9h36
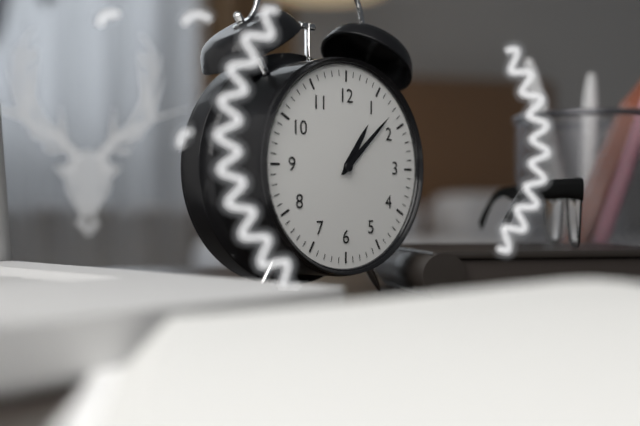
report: 1h08
